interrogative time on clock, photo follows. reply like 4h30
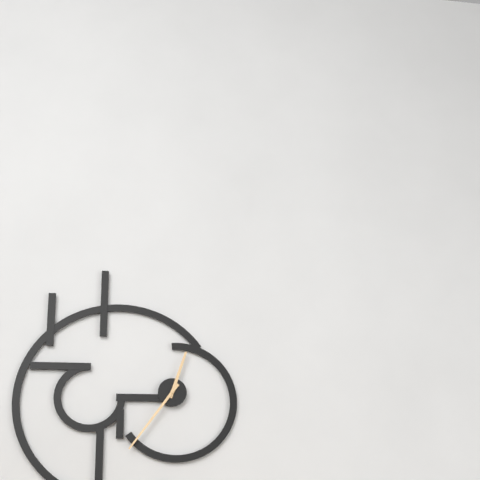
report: 12h36
